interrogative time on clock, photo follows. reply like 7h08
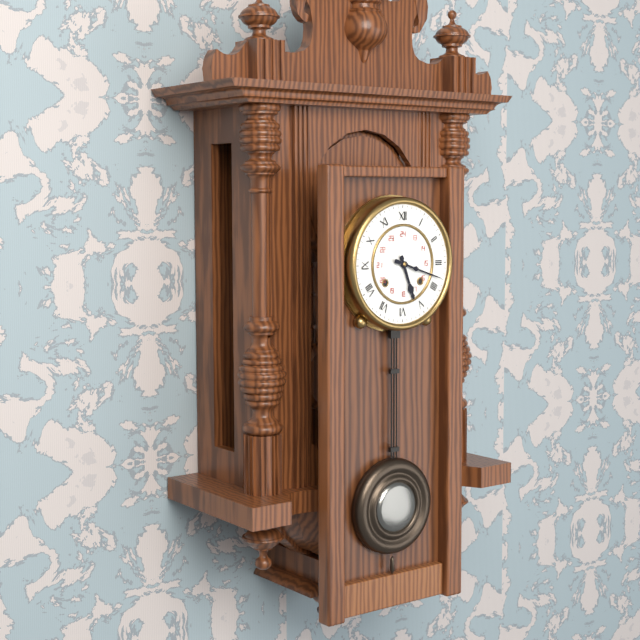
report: 5h18
